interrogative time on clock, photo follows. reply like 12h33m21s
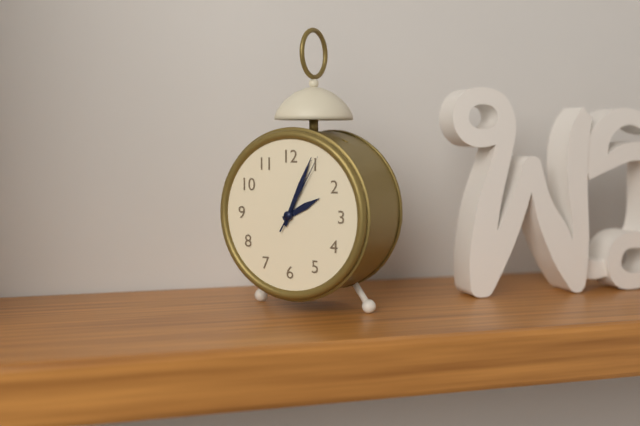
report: 2h04m05s
